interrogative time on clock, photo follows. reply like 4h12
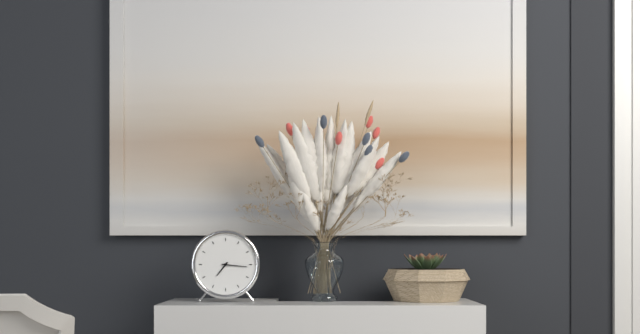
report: 7h16
